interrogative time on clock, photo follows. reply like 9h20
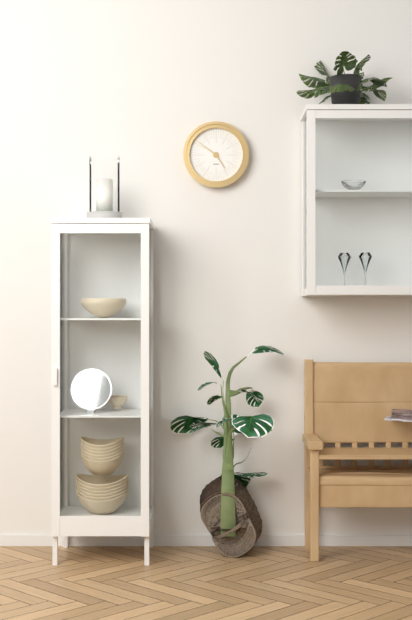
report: 4h51
